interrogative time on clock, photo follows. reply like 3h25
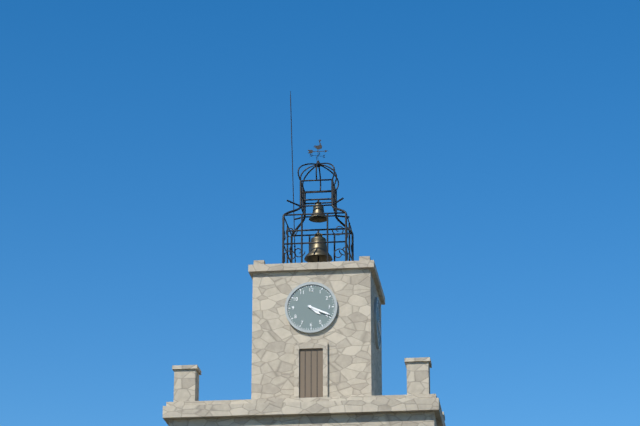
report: 4h19
